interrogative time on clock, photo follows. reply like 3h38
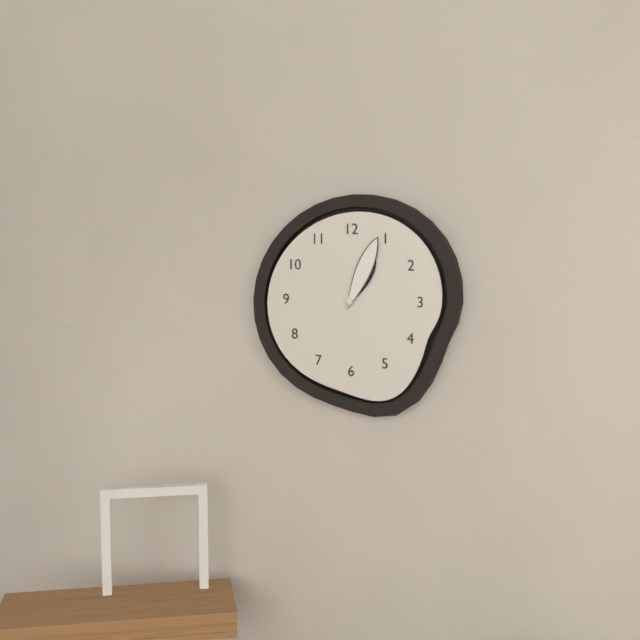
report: 1h04
